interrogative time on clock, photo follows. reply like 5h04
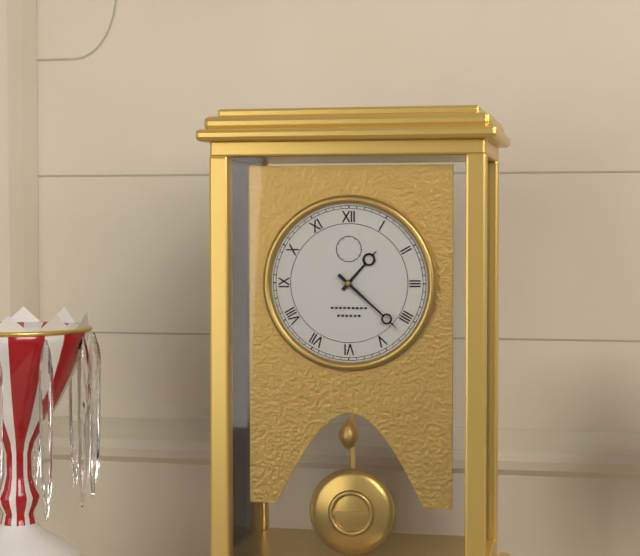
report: 1h22
